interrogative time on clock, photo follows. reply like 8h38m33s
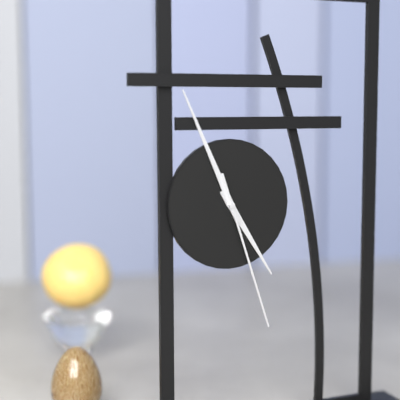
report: 4h56m27s
